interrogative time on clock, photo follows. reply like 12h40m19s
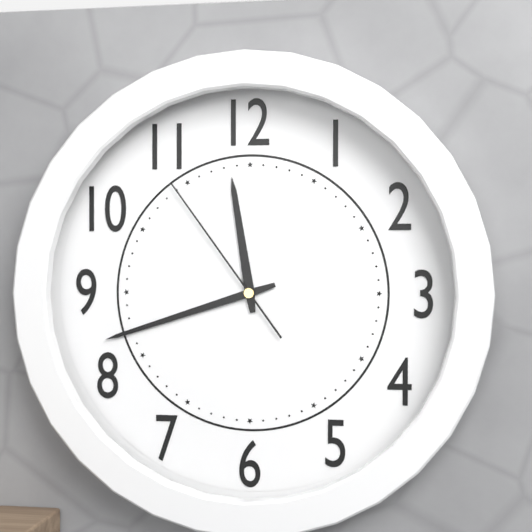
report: 11h42m54s
